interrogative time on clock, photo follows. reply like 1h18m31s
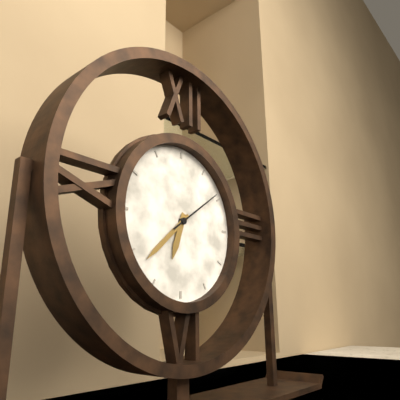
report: 6h38m09s
